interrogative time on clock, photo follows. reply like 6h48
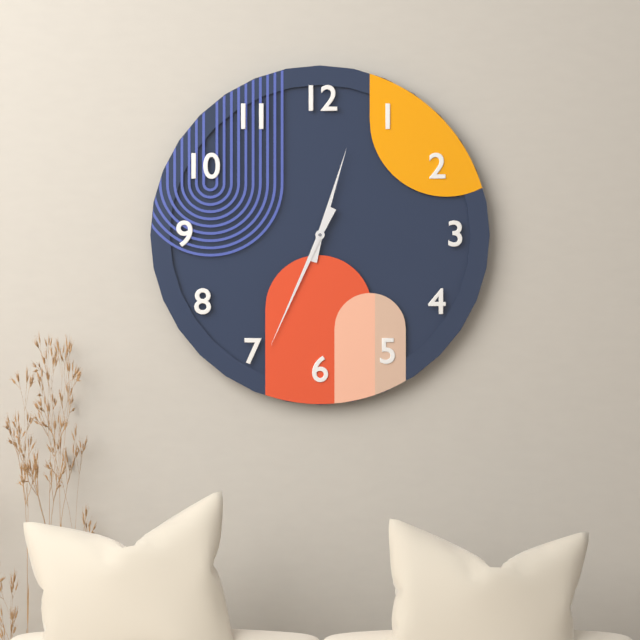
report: 12h34
